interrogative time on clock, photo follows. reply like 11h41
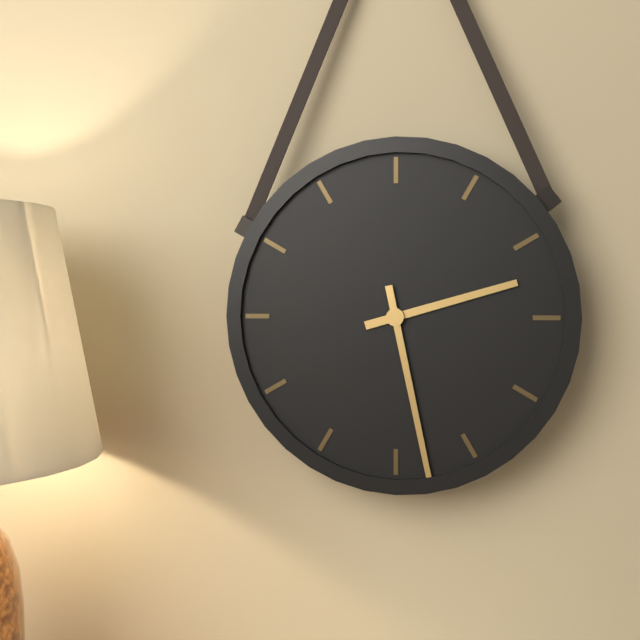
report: 2h28
